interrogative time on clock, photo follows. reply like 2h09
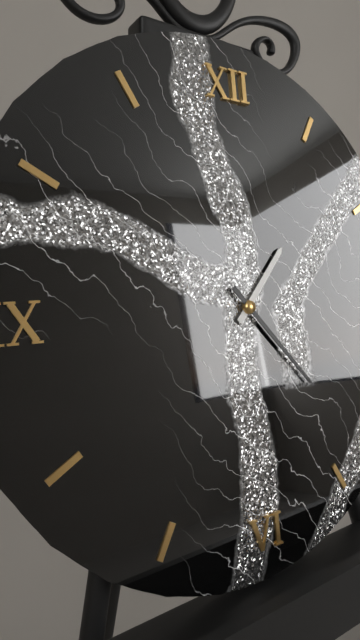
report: 1h23
